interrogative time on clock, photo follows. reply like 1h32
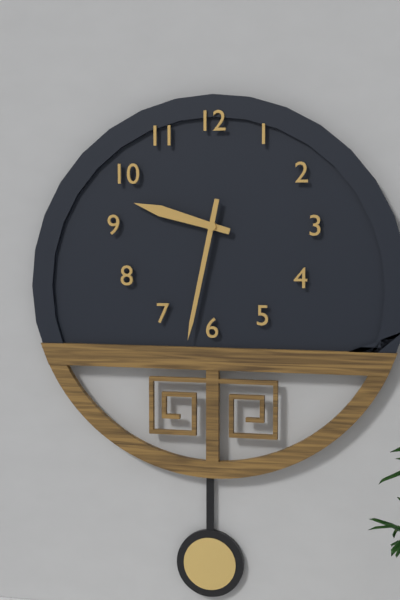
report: 9h32
